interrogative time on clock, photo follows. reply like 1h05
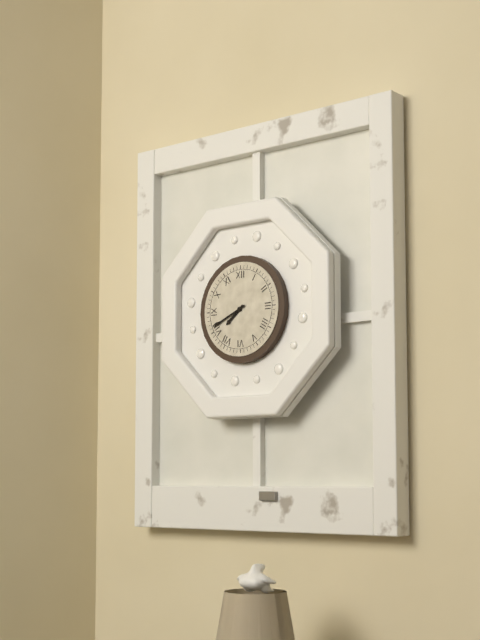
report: 7h41
